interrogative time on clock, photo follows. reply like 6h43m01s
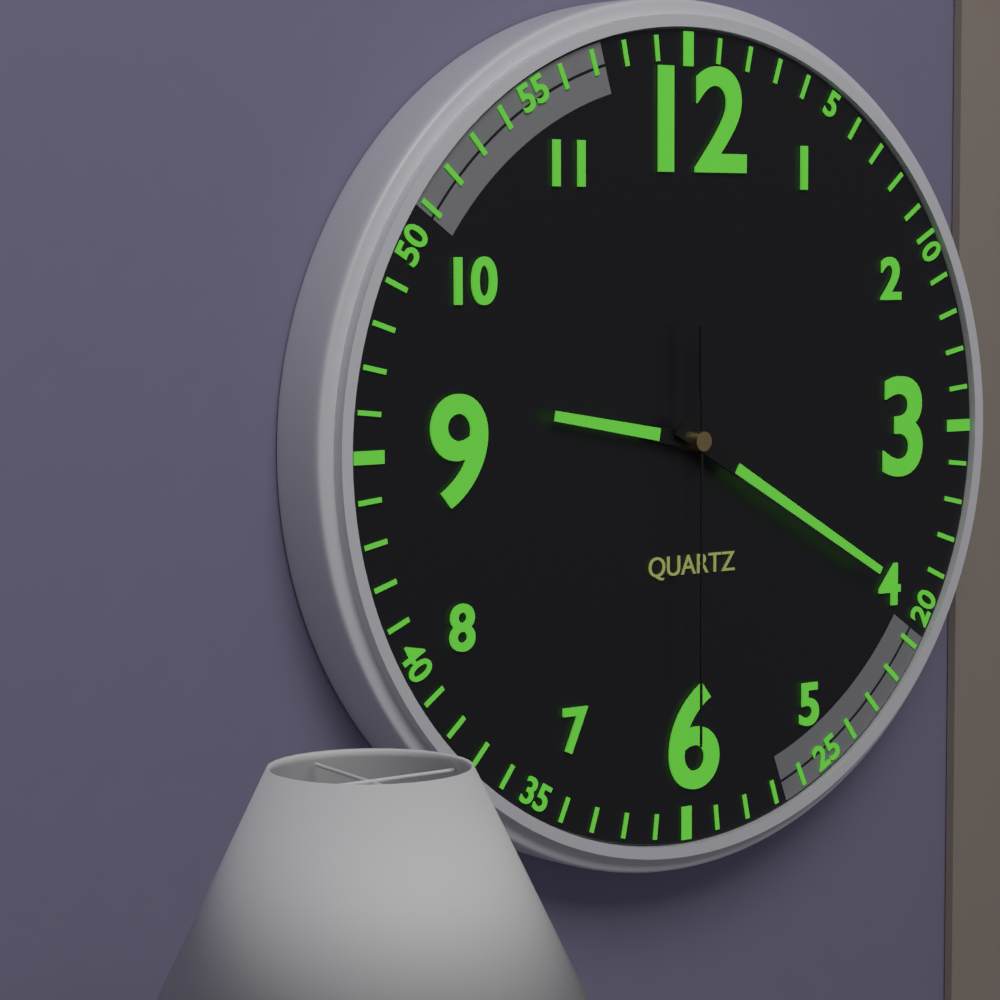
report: 9h20m30s
